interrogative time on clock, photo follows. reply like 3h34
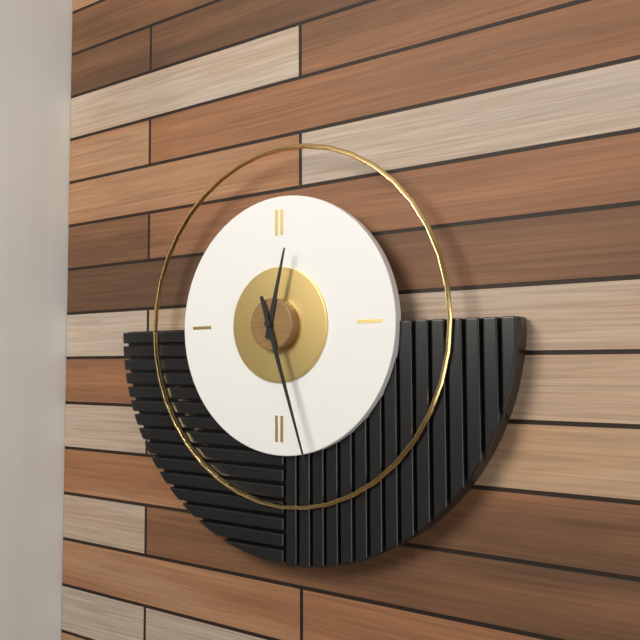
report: 12h27
